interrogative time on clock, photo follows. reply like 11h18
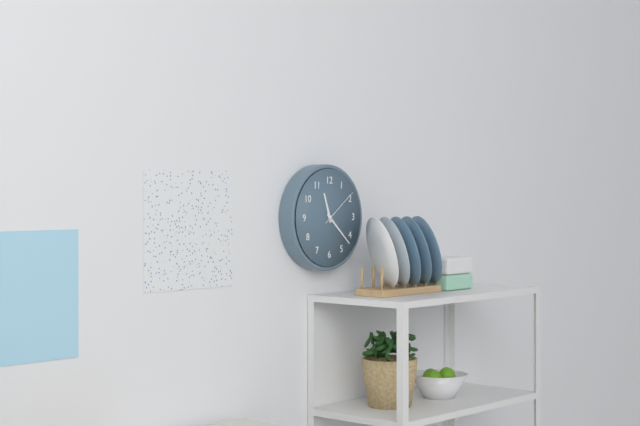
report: 11h22
